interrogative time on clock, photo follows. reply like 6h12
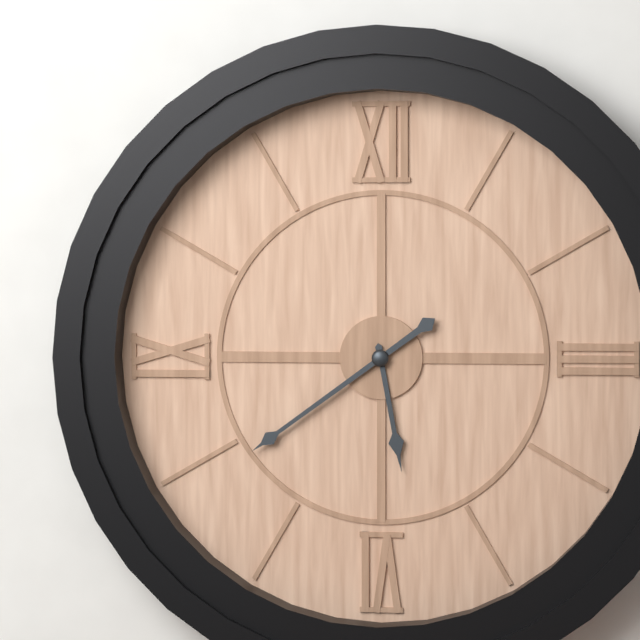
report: 5h39
